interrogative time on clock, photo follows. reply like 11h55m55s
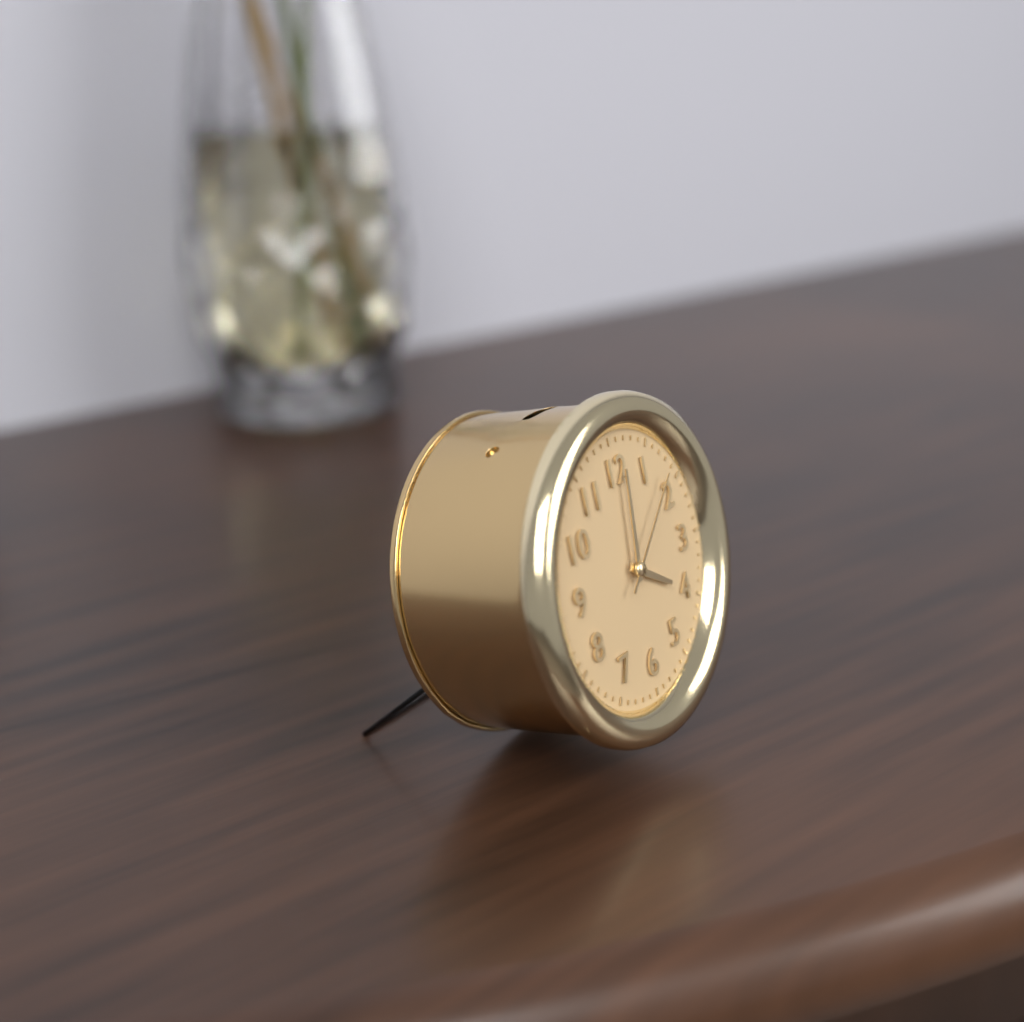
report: 4h01m08s
